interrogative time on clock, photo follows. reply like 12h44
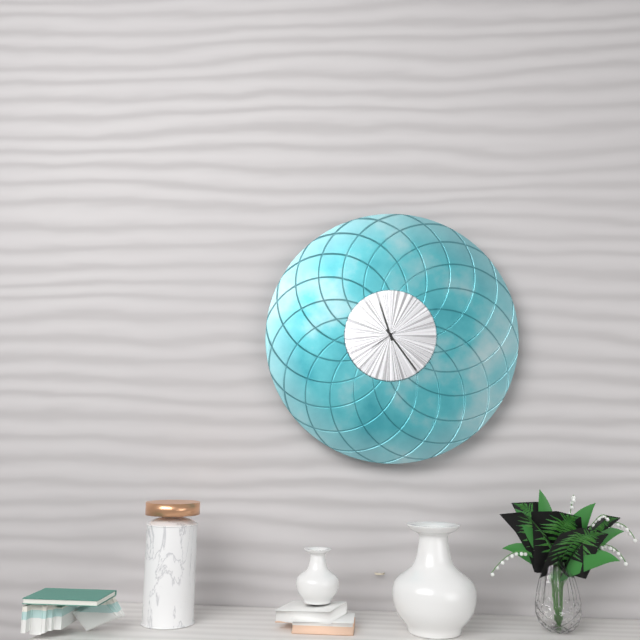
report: 11h24
